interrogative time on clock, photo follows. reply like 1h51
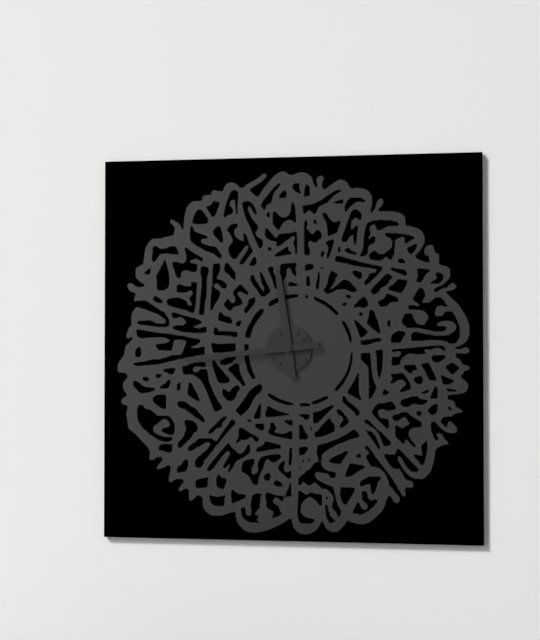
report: 11h44
